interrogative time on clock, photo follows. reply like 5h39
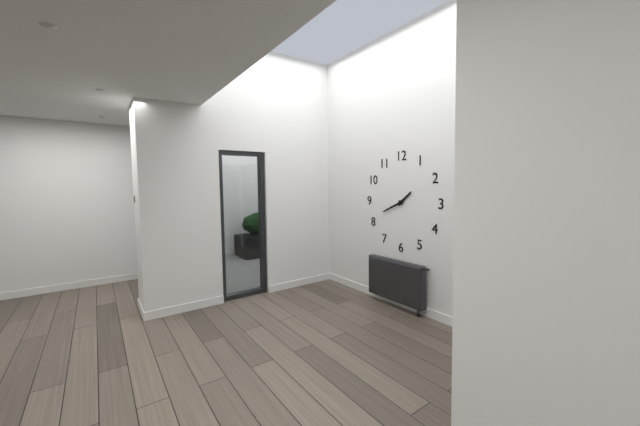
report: 1h41
